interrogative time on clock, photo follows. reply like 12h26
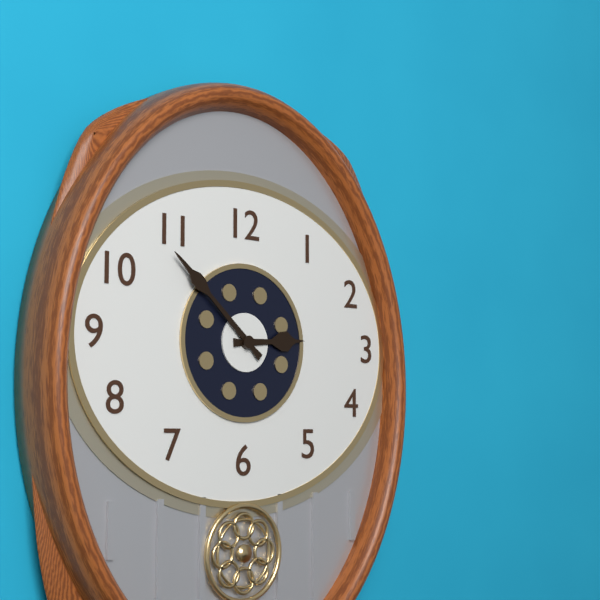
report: 2h52
